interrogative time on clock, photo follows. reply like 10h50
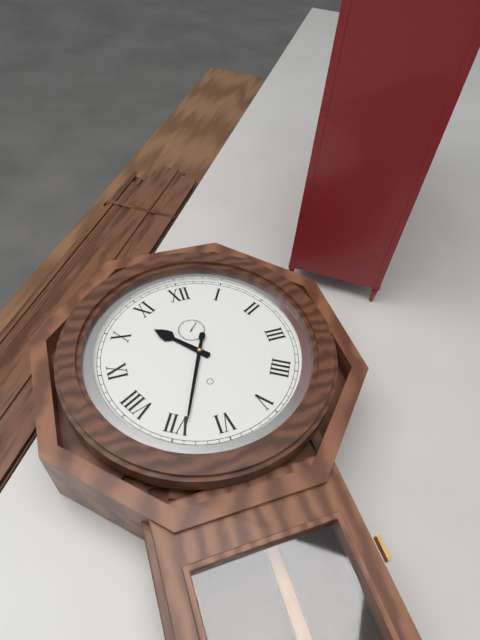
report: 10h34
